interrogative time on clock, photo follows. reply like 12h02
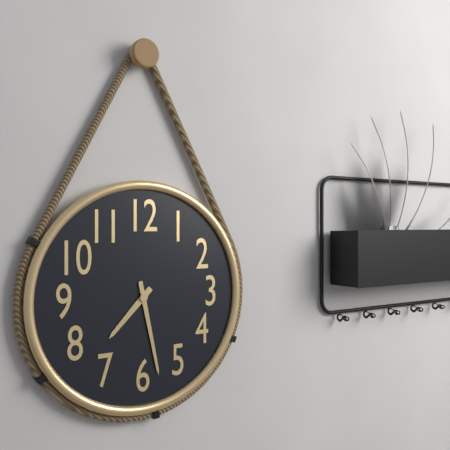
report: 7h28
